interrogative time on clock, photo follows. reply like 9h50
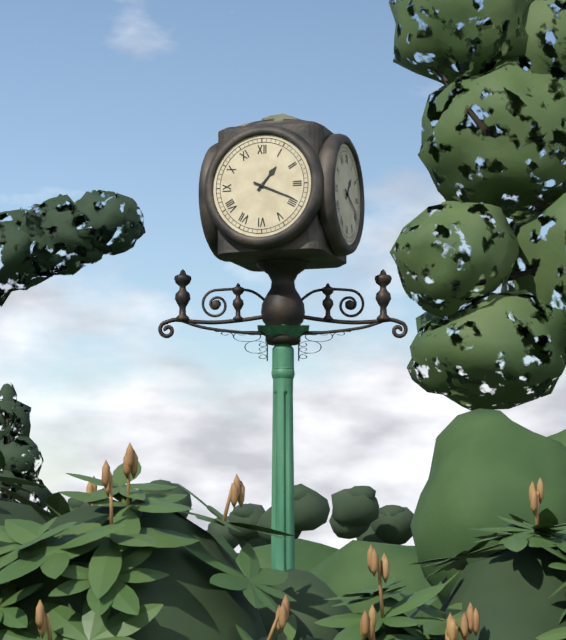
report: 1h19
